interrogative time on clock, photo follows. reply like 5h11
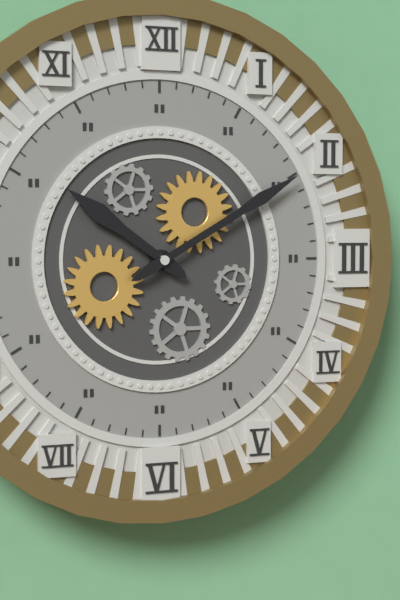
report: 10h10
